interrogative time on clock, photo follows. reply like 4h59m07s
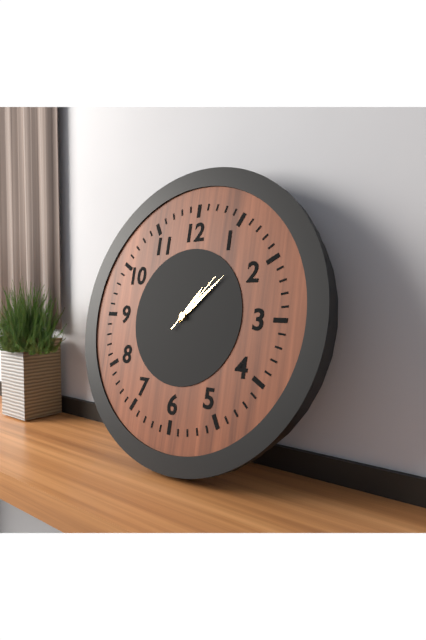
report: 1h08m07s
